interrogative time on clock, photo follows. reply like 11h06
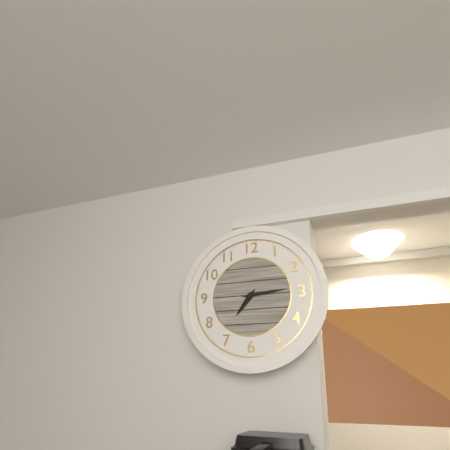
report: 7h14
